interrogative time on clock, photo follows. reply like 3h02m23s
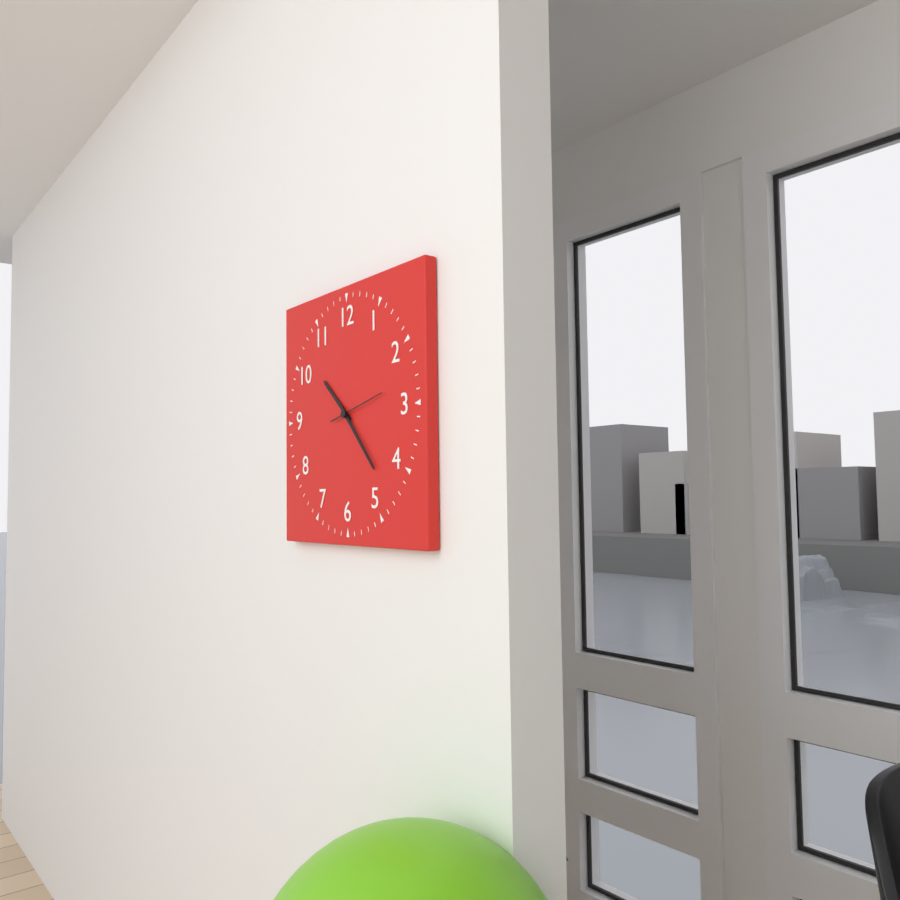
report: 10h23m13s
